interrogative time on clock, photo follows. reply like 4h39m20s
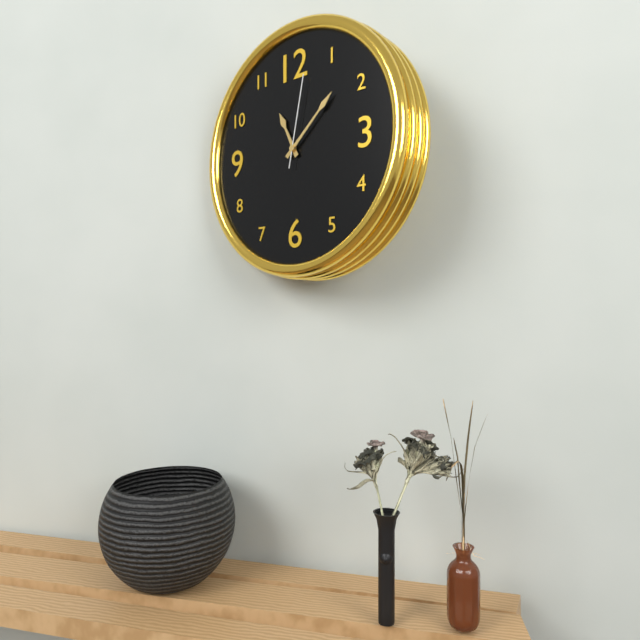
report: 11h08m02s
